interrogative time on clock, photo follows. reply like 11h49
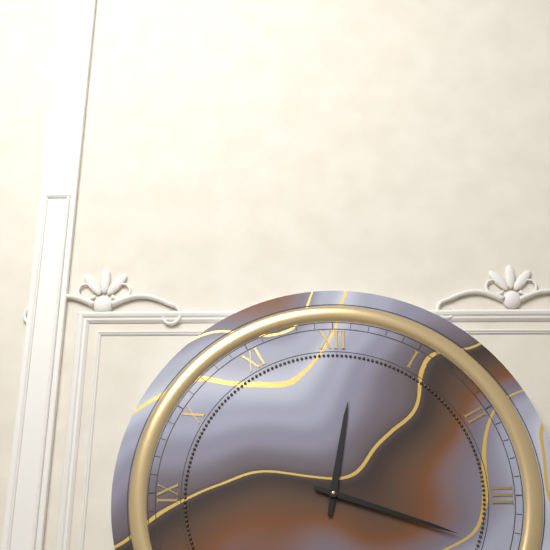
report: 12h18
